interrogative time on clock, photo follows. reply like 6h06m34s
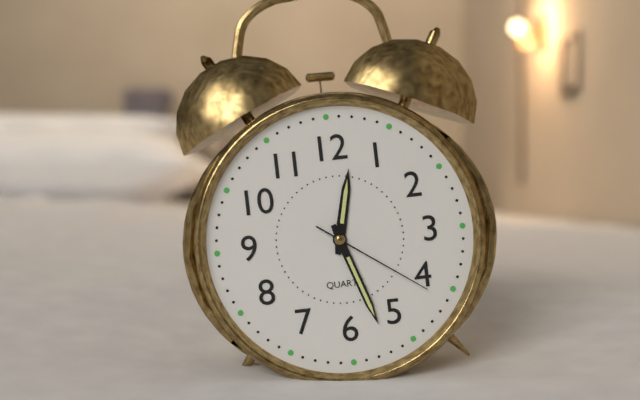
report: 12h27m21s
